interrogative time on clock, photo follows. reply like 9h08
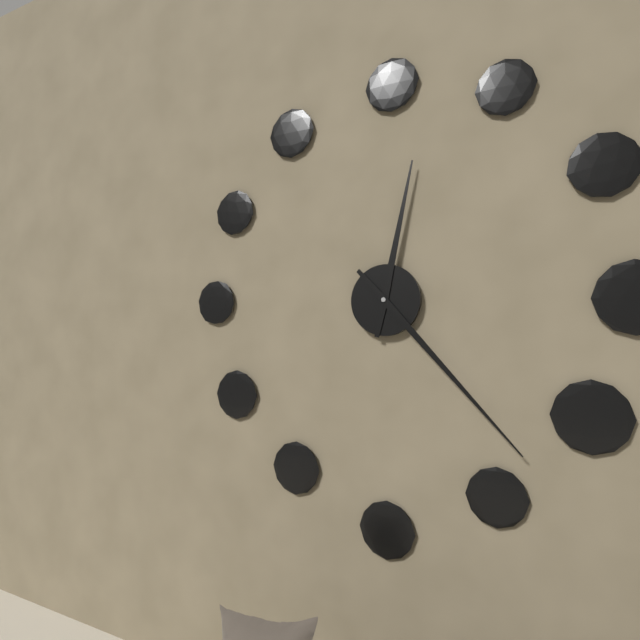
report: 12h23
